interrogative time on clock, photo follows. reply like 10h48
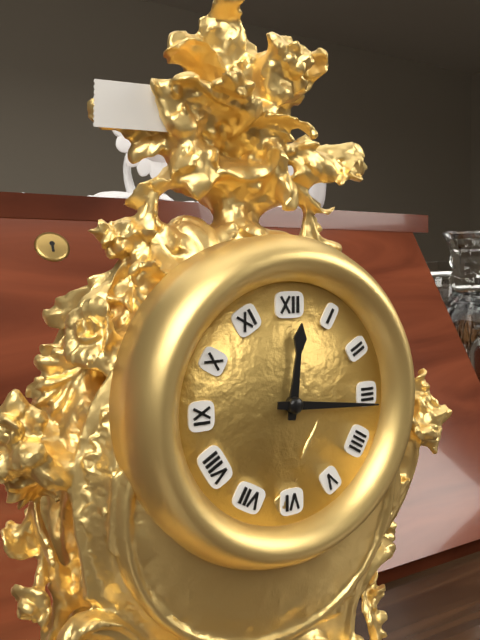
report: 12h16
